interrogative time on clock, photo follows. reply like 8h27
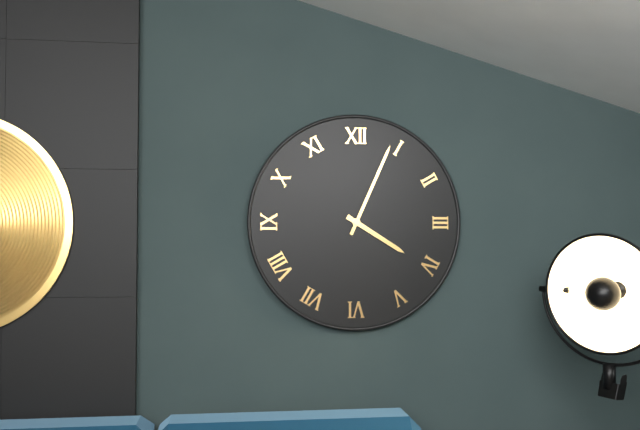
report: 4h04
